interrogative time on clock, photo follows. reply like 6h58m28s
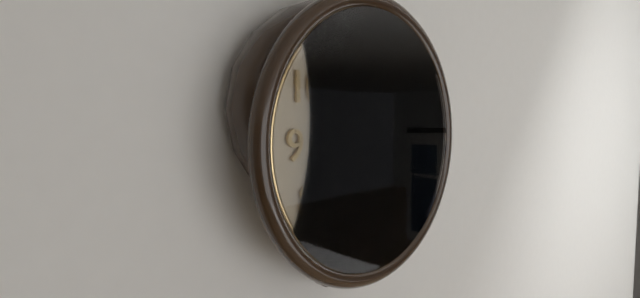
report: 7h33m21s
